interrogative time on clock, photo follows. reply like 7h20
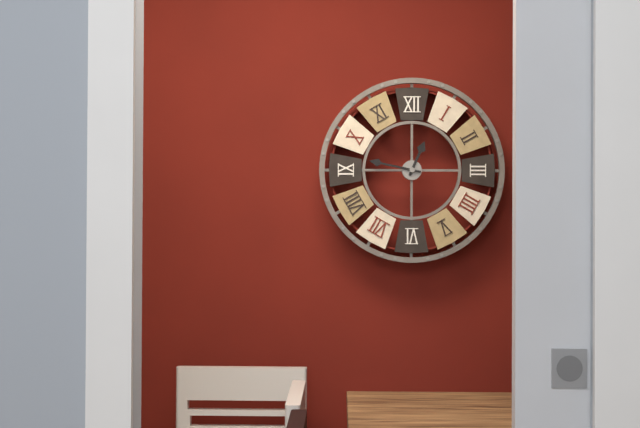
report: 12h47
